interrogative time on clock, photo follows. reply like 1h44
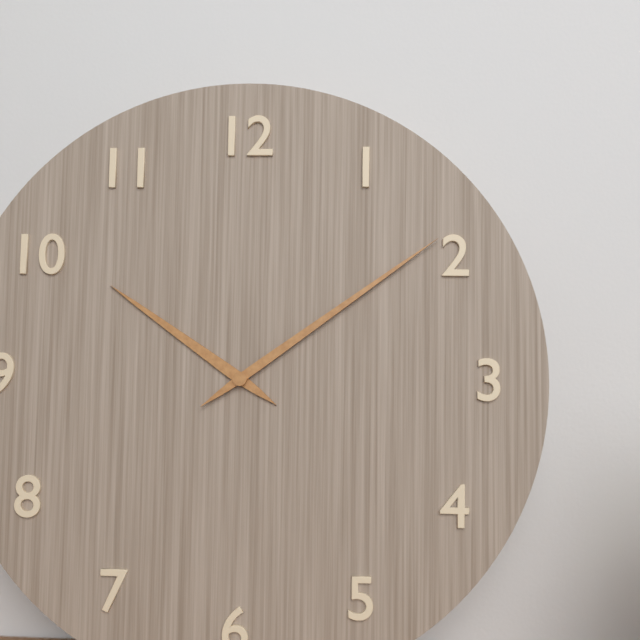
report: 10h09
